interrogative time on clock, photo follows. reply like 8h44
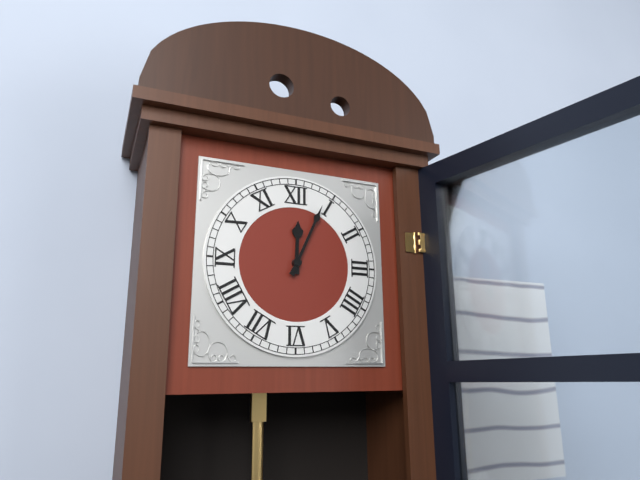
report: 12h04
